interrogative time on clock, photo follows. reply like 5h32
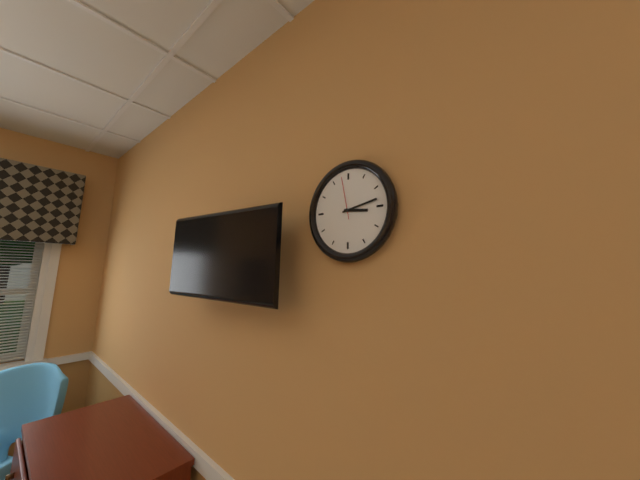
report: 3h13
